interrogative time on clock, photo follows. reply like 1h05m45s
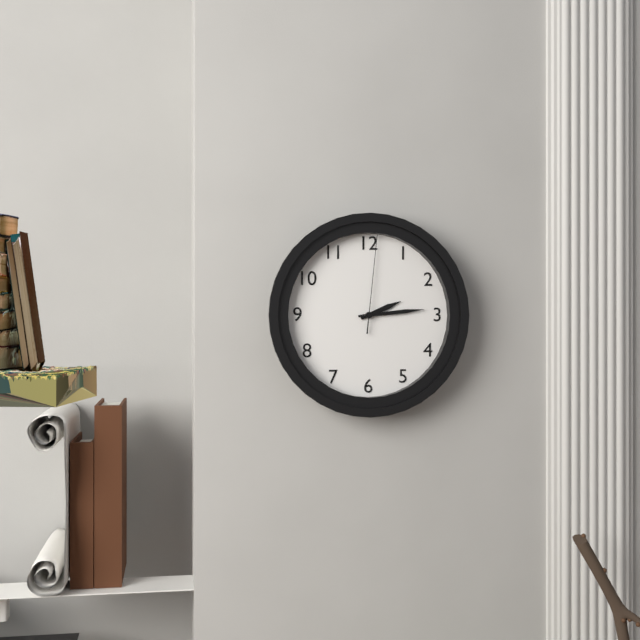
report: 2h14m01s
